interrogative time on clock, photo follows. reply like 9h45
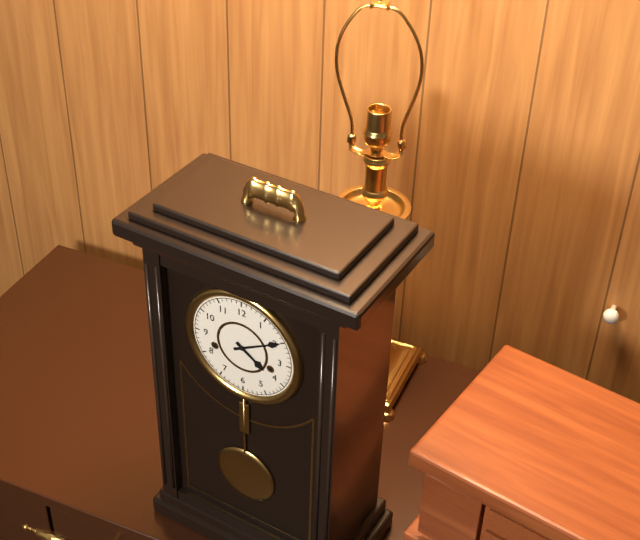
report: 4h10
